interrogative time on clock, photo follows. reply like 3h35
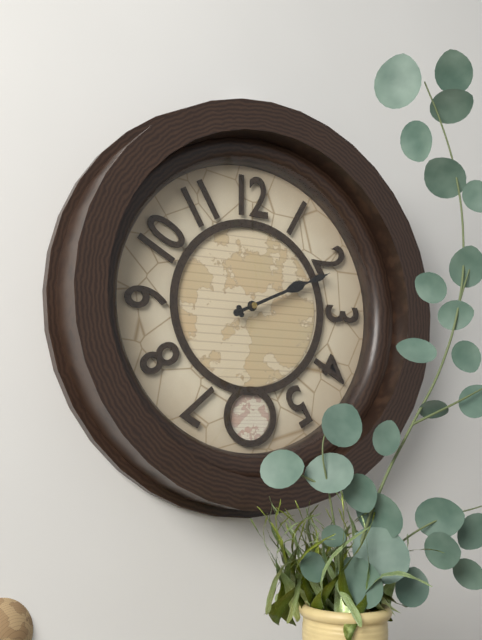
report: 2h11
